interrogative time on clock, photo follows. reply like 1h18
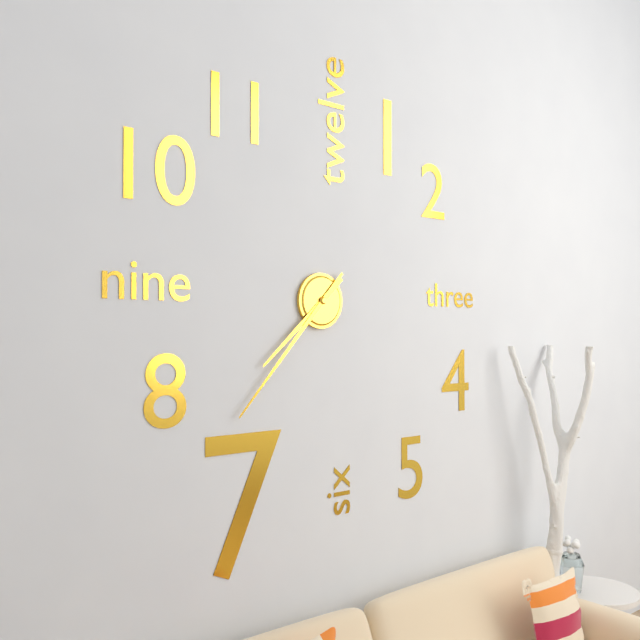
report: 7h37
